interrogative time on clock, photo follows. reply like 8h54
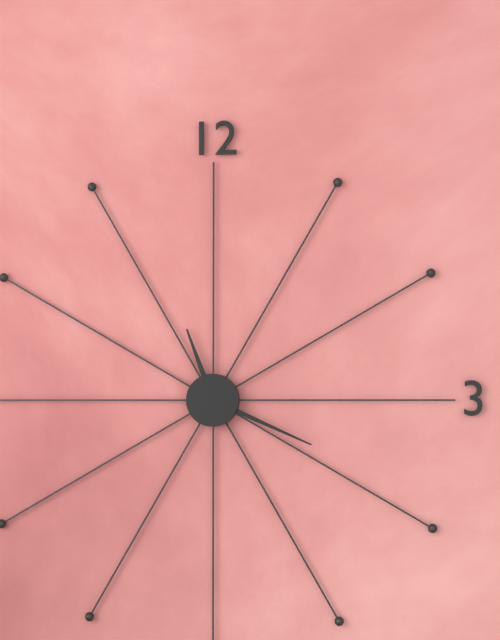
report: 11h19
